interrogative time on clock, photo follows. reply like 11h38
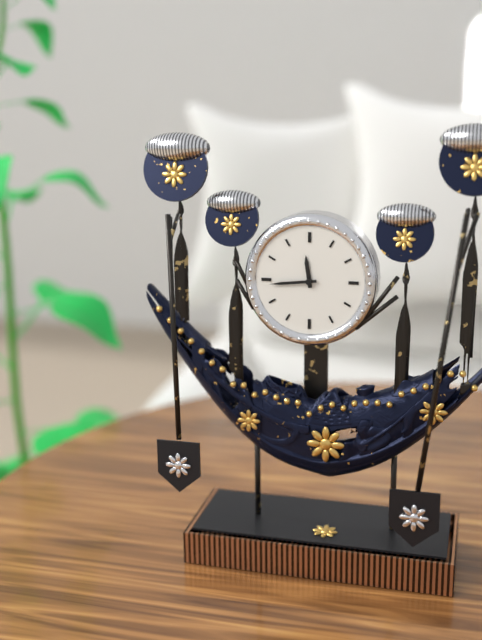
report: 11h44
